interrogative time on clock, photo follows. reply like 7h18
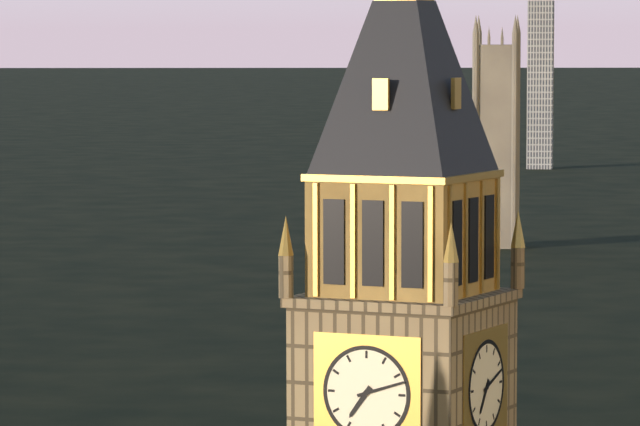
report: 7h12
